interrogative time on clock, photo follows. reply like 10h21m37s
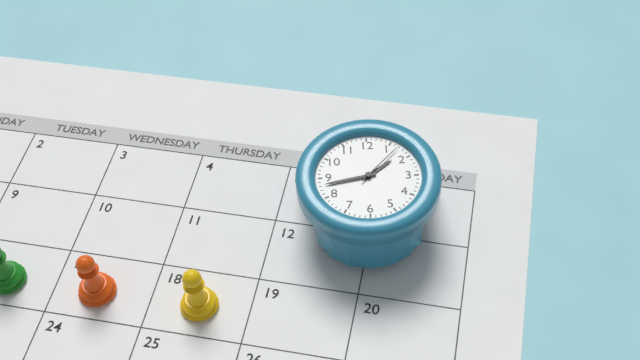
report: 1h43m07s
